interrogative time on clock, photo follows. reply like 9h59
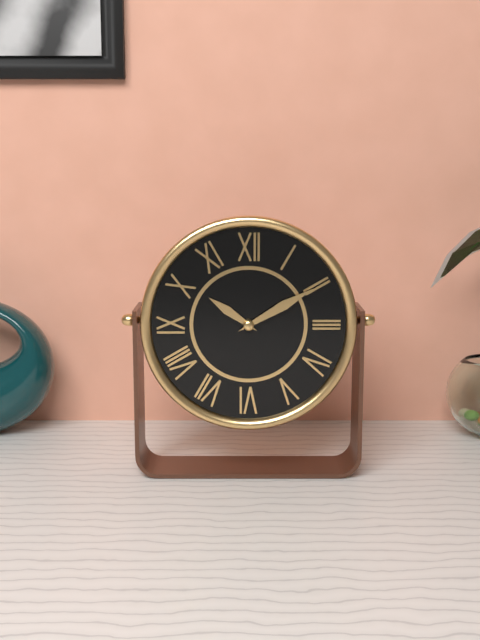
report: 10h10
